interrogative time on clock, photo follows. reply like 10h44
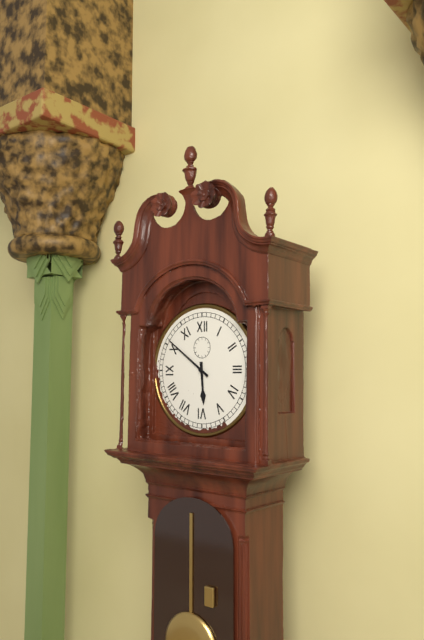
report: 5h51
